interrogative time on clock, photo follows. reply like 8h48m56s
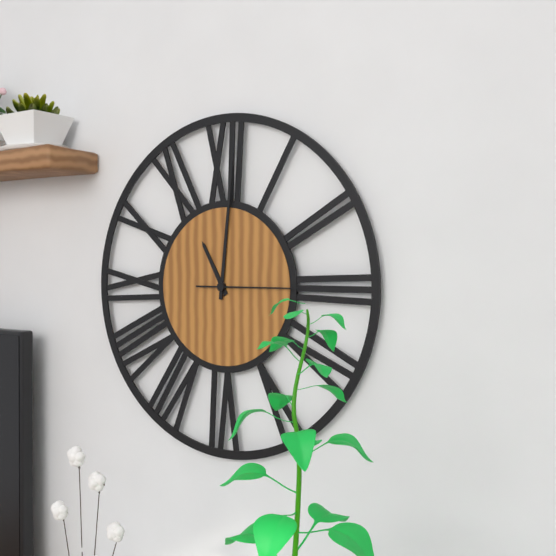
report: 11h01m15s
